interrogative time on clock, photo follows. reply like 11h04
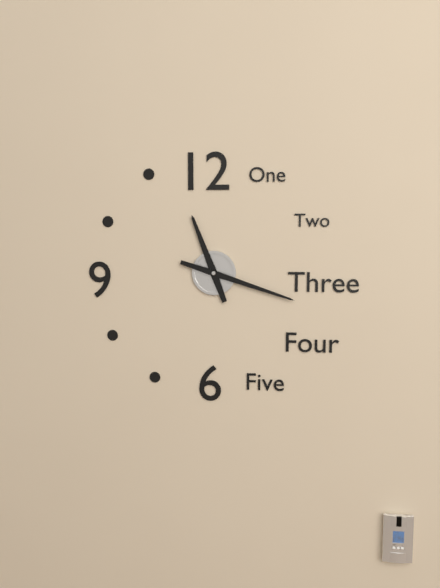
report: 11h18
